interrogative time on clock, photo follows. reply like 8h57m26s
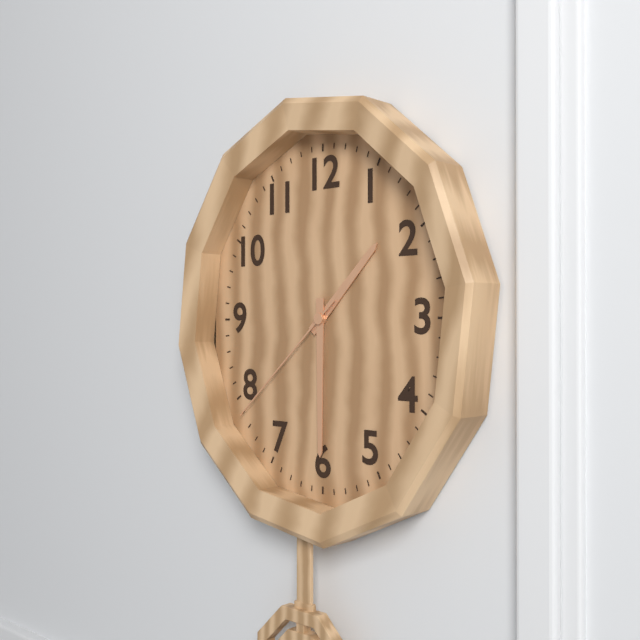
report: 1h30m38s
